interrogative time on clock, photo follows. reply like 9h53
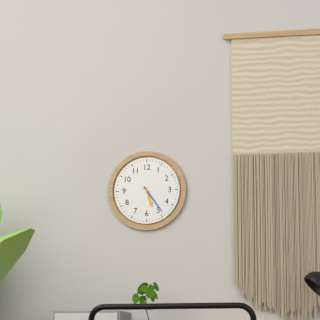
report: 5h24
